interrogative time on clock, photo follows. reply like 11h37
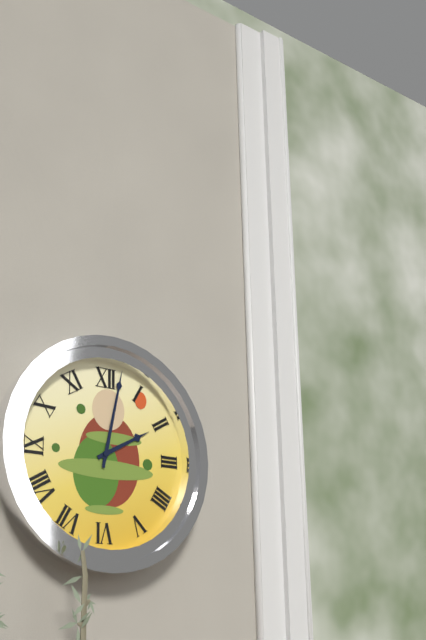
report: 2h02
